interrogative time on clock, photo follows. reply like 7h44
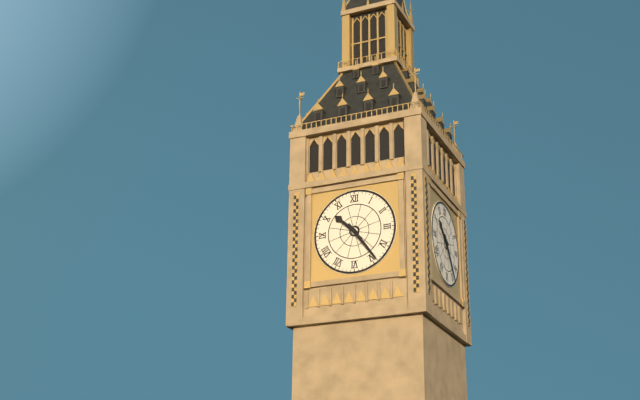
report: 10h24
